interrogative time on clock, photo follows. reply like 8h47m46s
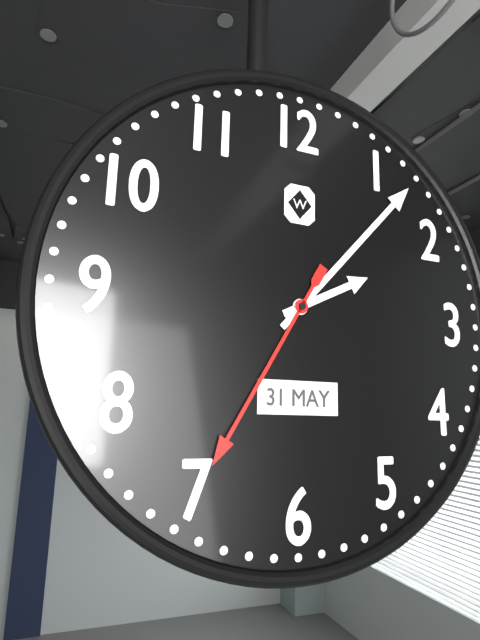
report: 2h07m35s
